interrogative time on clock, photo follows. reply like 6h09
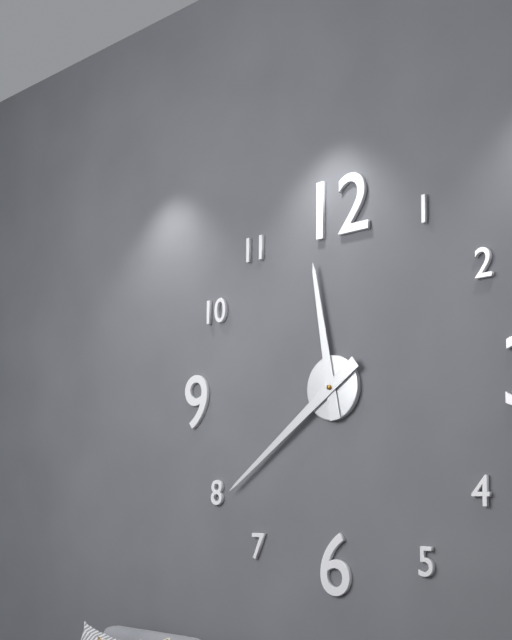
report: 11h39
